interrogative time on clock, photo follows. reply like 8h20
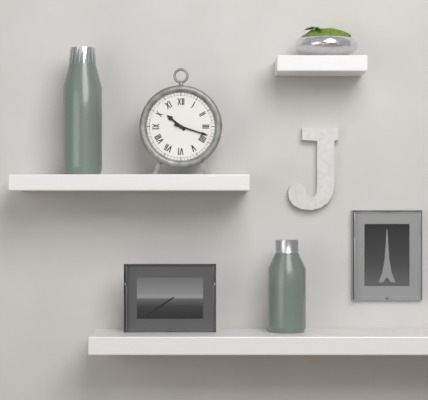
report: 10h18
